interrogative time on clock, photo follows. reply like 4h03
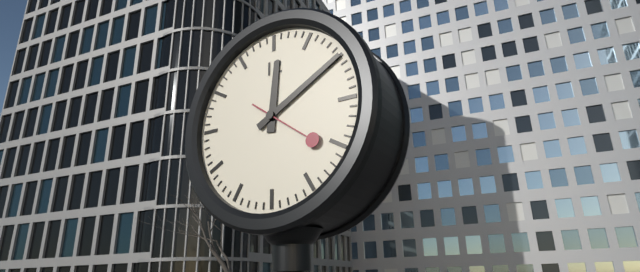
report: 12h10
